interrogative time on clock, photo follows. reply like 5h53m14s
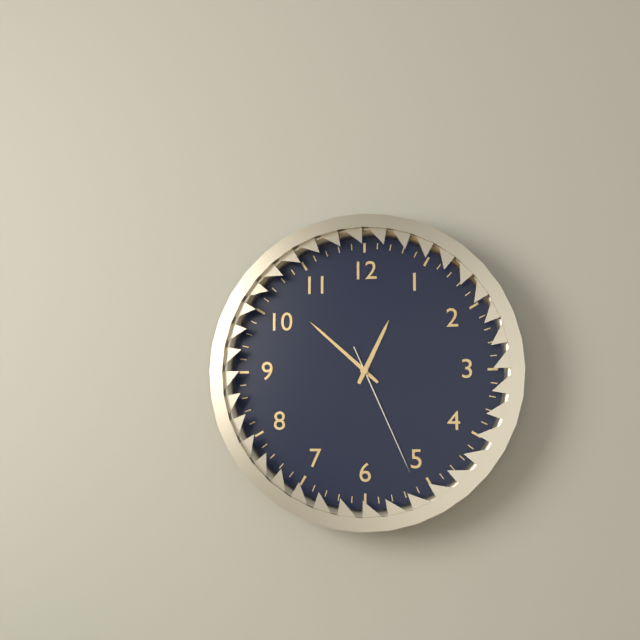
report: 12h52m26s
